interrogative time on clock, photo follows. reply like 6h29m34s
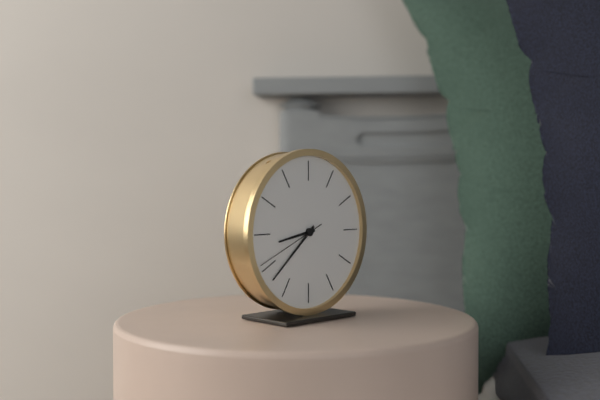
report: 8h38m41s
